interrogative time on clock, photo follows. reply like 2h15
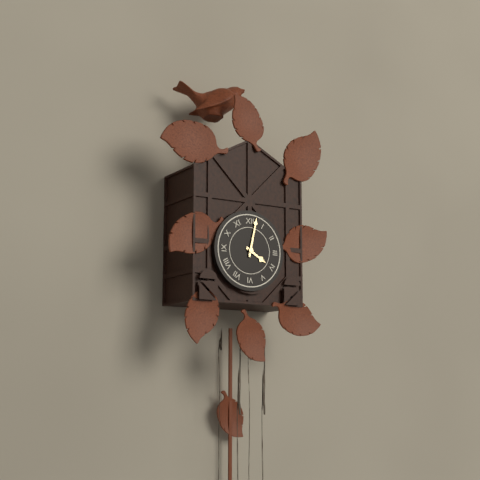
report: 4h02
